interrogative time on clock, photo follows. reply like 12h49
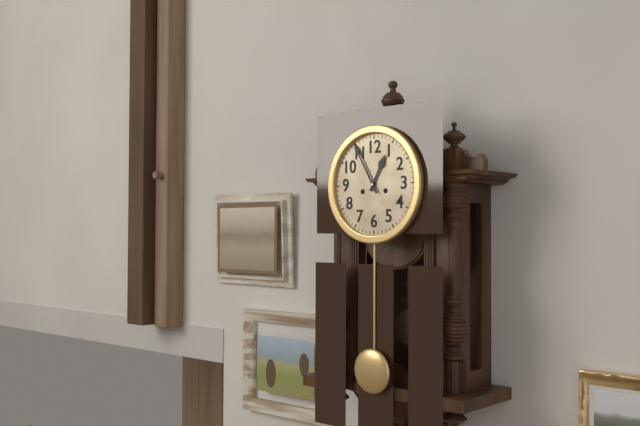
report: 12h55
